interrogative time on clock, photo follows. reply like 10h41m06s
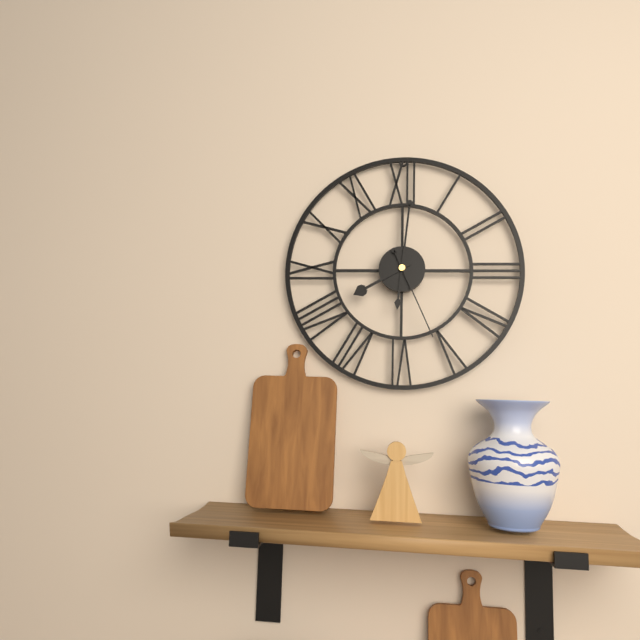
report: 8h01m26s
